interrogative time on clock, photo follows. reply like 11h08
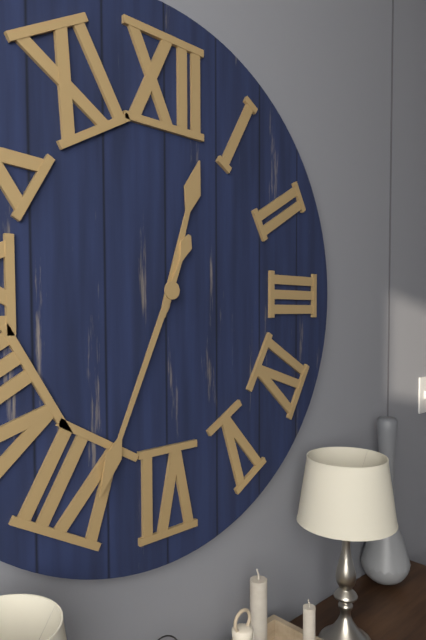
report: 12h34
